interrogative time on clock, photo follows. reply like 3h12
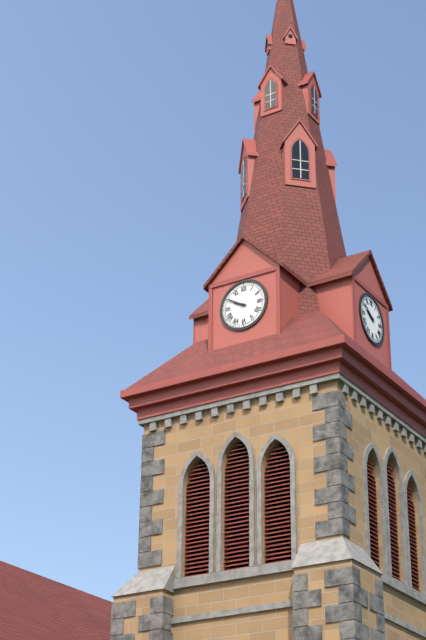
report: 9h50
